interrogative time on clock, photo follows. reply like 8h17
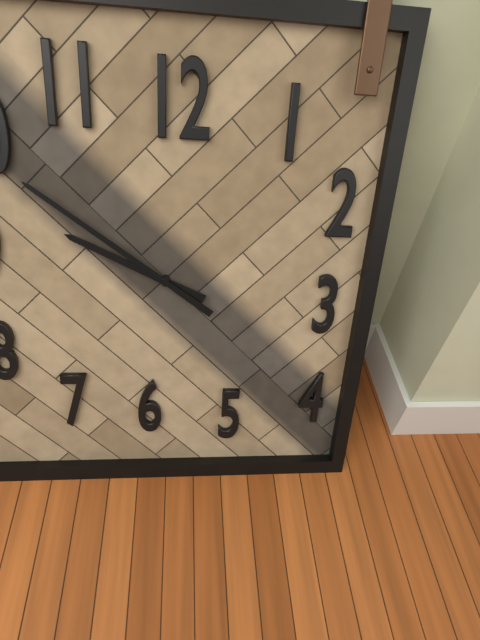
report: 9h51
